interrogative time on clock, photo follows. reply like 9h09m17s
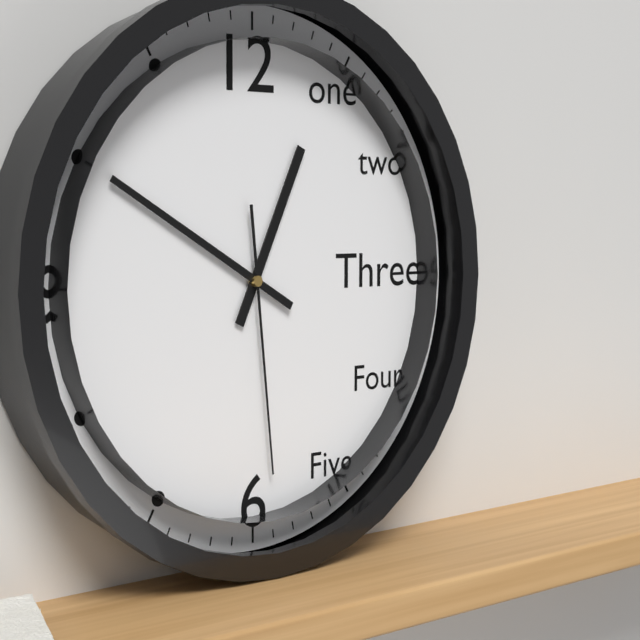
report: 12h50m29s
